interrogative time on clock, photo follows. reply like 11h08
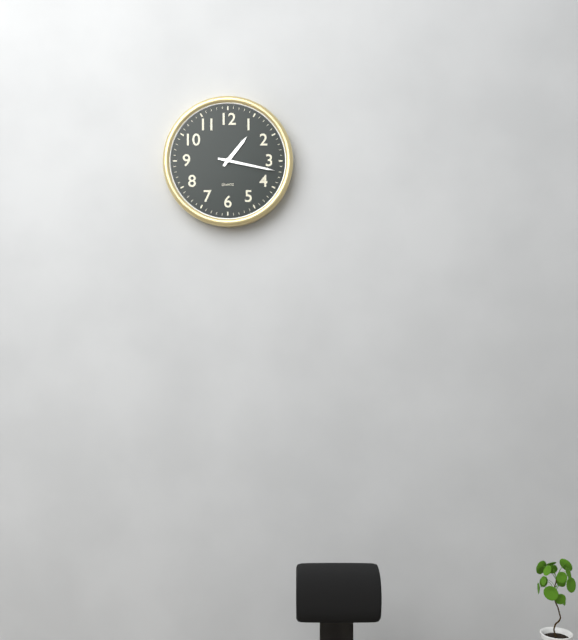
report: 1h17
